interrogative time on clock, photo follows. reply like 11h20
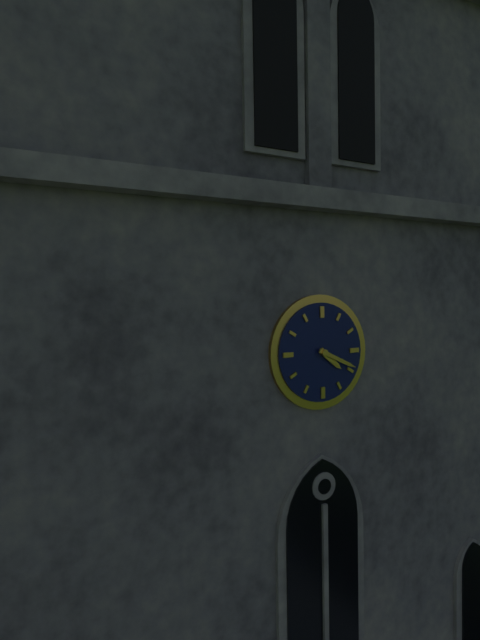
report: 4h19
